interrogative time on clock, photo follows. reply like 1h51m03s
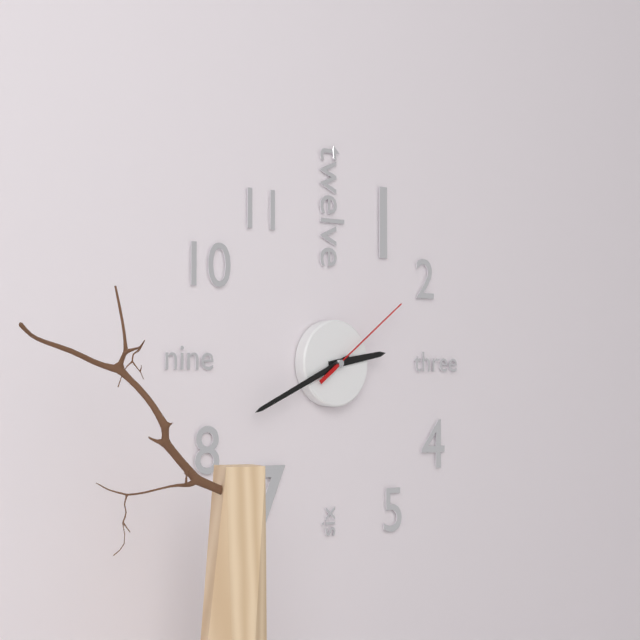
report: 2h41m09s
